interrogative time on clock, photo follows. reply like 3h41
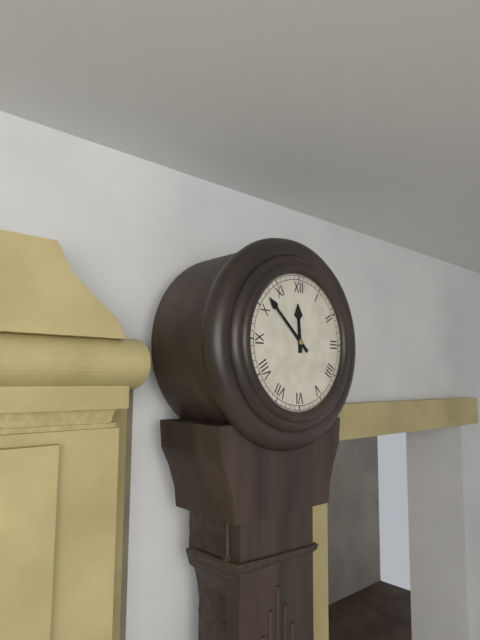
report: 11h52
